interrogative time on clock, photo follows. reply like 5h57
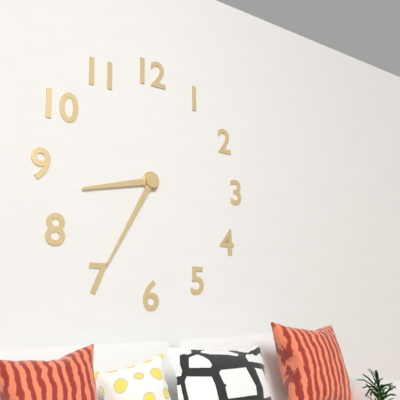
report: 8h35
